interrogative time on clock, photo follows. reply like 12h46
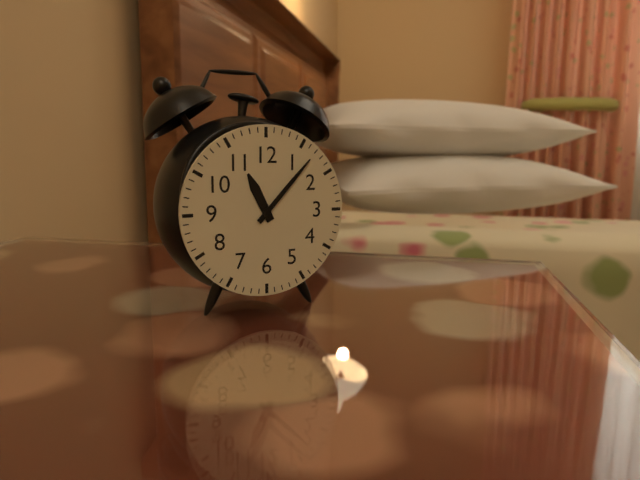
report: 11h07
